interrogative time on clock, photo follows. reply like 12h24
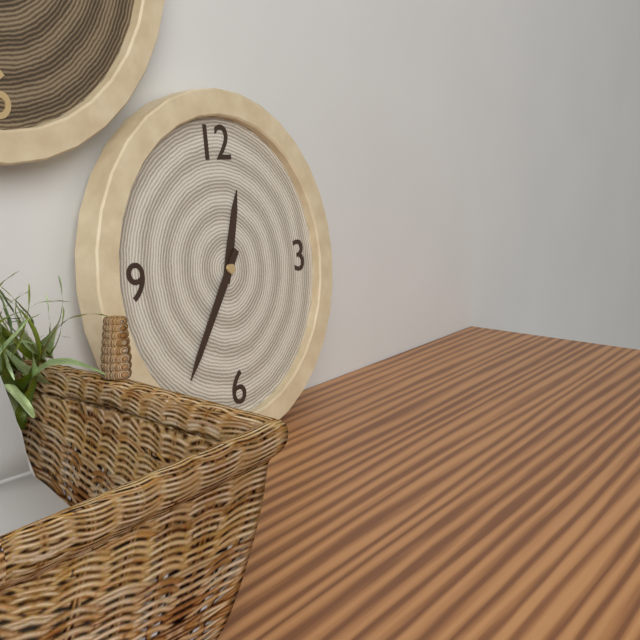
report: 12h36
